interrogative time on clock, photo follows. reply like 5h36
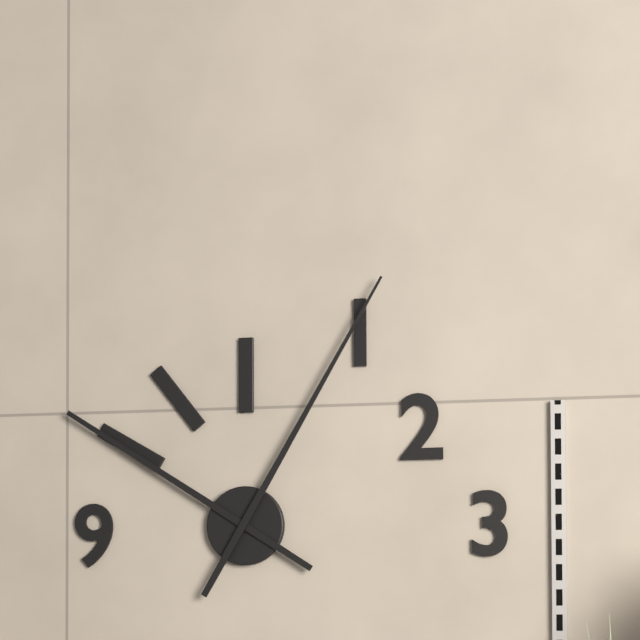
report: 10h05
